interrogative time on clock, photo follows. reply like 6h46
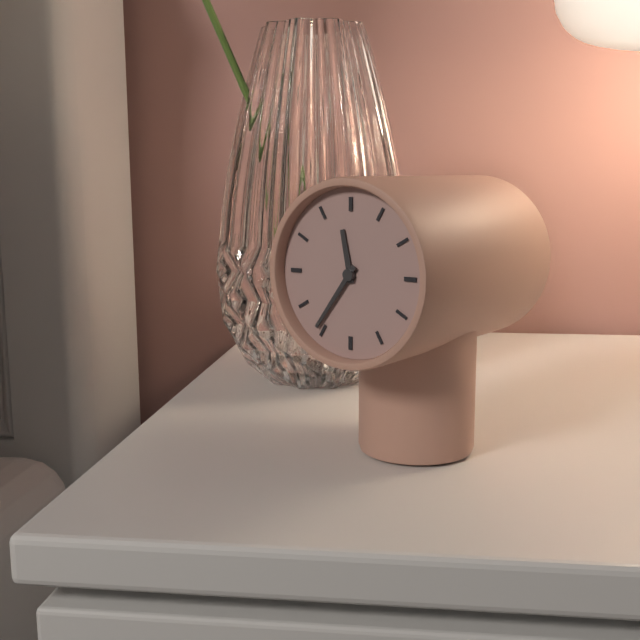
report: 11h36
